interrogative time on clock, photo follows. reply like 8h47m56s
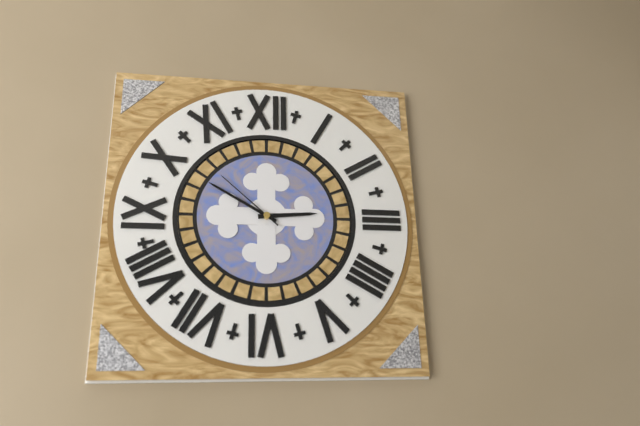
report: 2h50m52s
